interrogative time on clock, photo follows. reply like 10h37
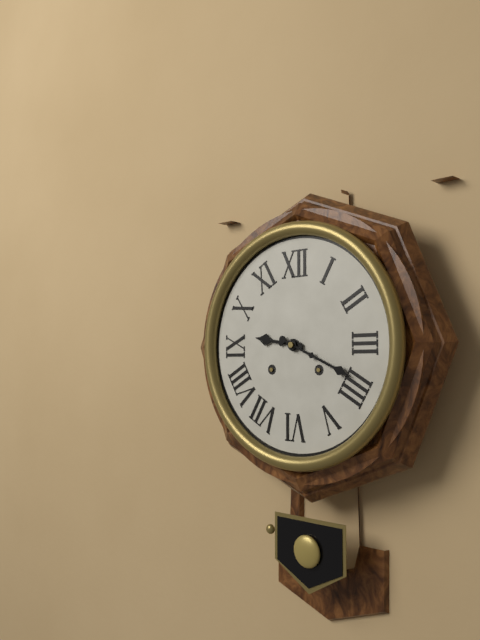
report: 9h19
